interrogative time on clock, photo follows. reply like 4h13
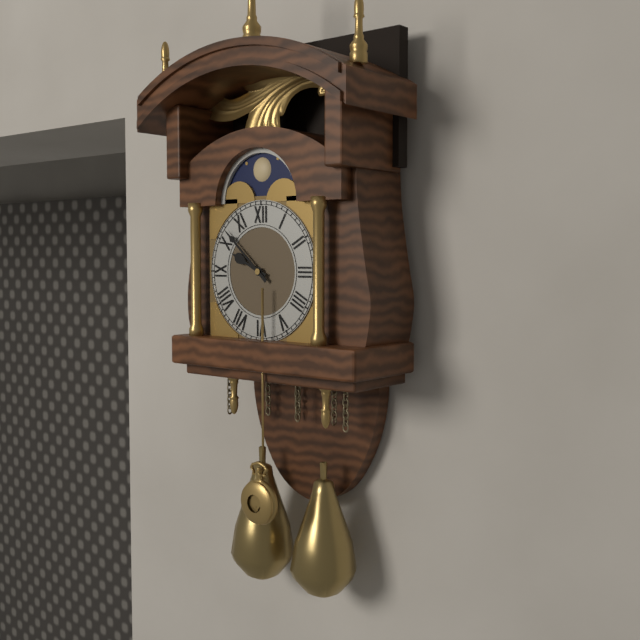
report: 9h52
